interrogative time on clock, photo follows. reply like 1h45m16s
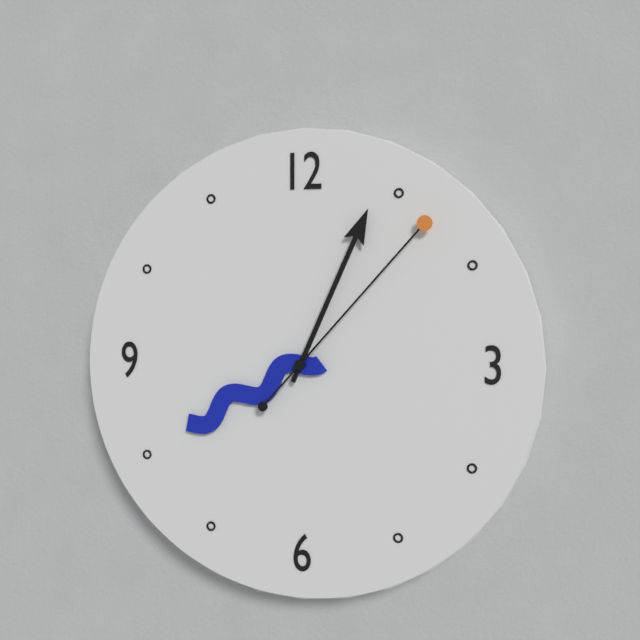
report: 8h04m07s
